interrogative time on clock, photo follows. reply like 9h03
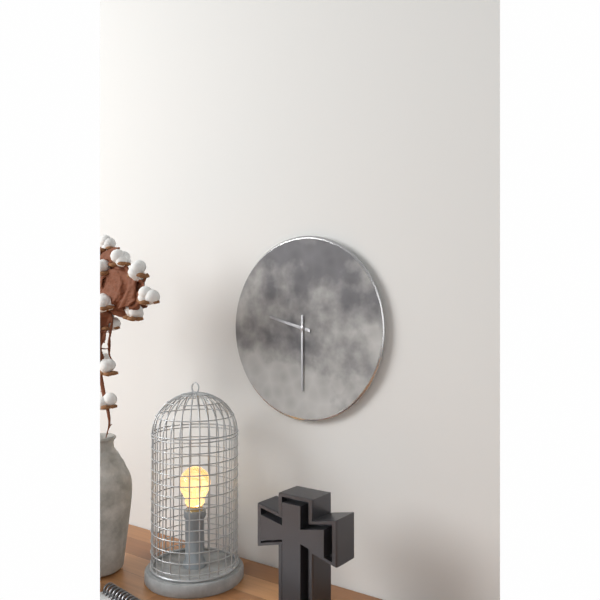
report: 9h30
